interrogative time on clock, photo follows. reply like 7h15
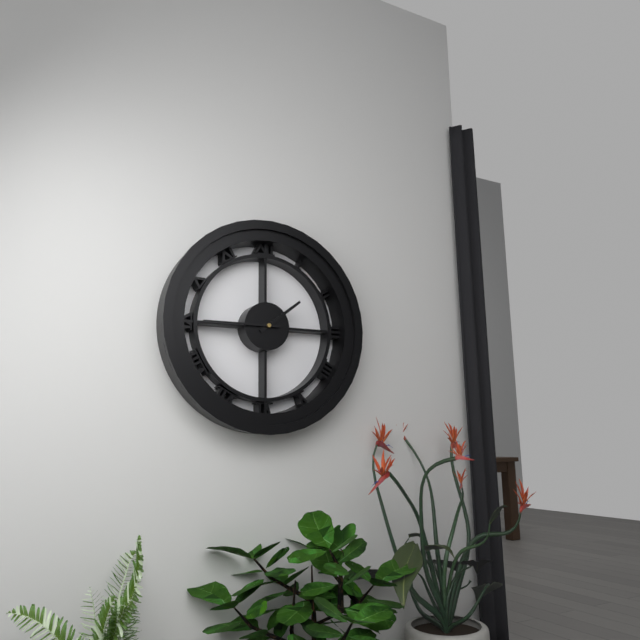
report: 1h45
